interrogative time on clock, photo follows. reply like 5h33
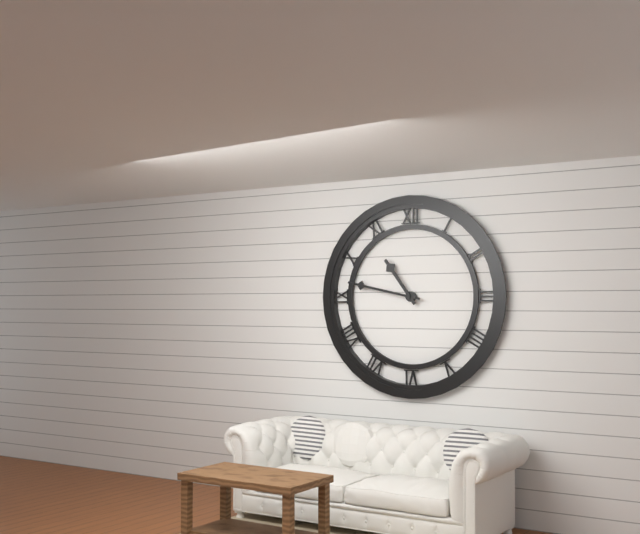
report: 10h47
